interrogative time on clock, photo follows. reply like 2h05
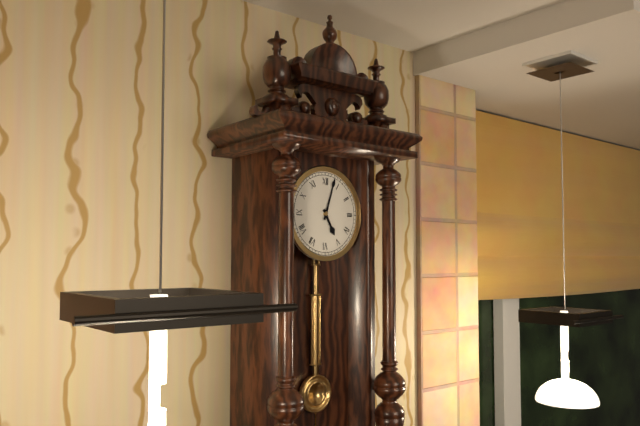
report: 5h03
